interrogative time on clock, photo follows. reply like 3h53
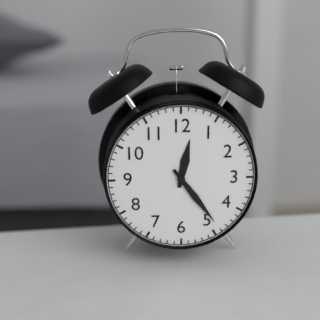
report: 12h24
